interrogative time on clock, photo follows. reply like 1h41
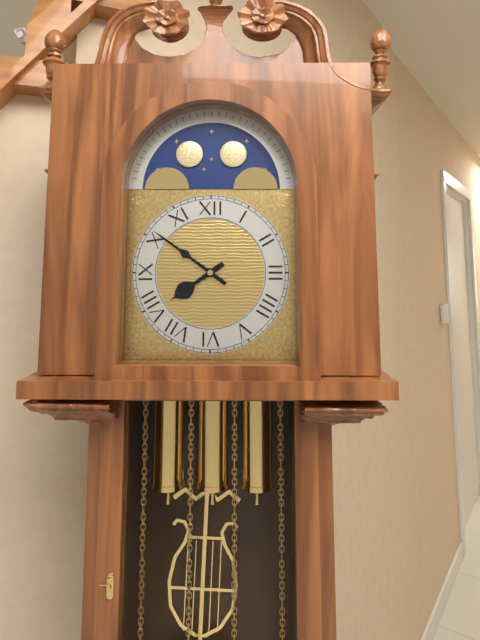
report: 7h51
